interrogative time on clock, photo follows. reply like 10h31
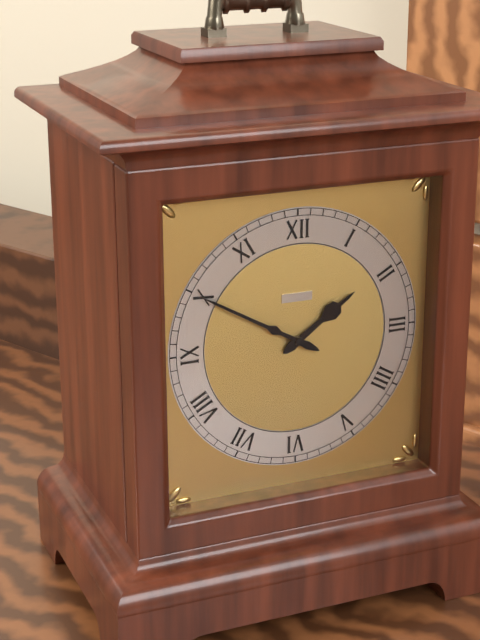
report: 1h50
